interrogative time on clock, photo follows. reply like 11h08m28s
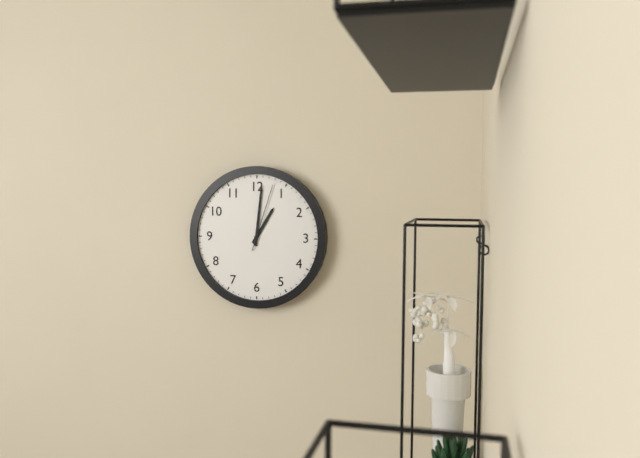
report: 1h01m03s
